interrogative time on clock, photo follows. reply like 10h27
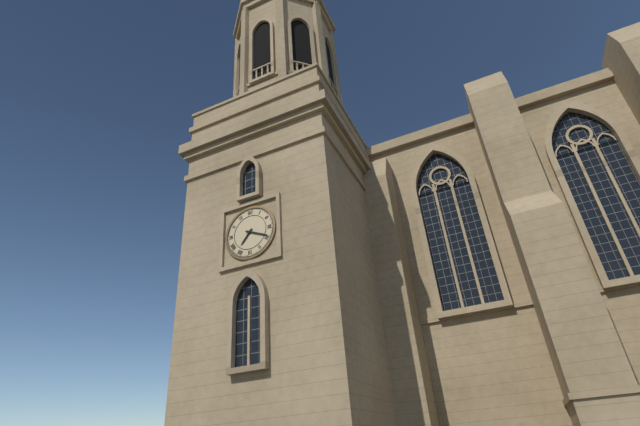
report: 7h19
